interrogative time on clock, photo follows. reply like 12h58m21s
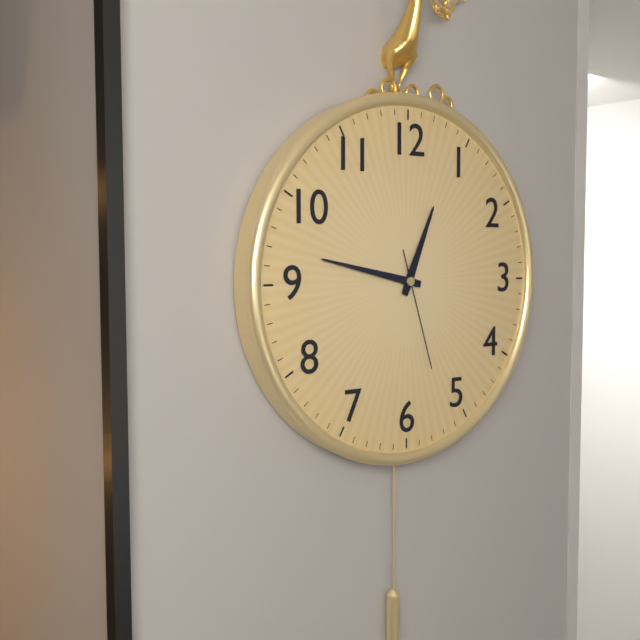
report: 12h47m27s
